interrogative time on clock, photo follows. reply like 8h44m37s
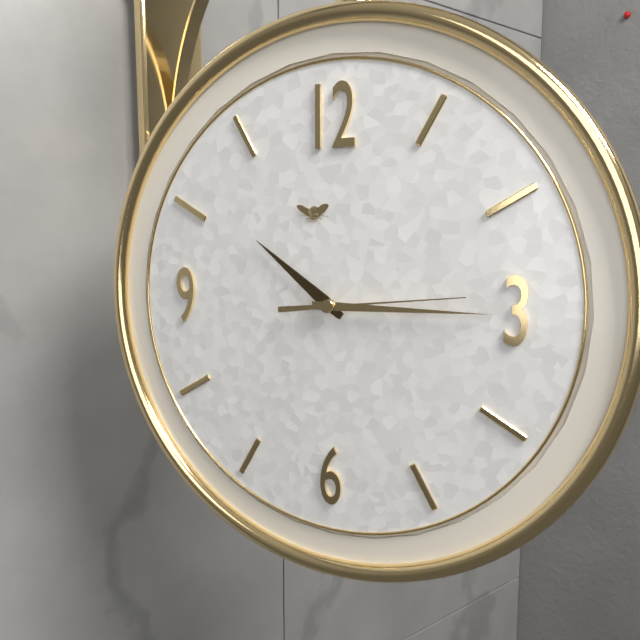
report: 10h15m14s
